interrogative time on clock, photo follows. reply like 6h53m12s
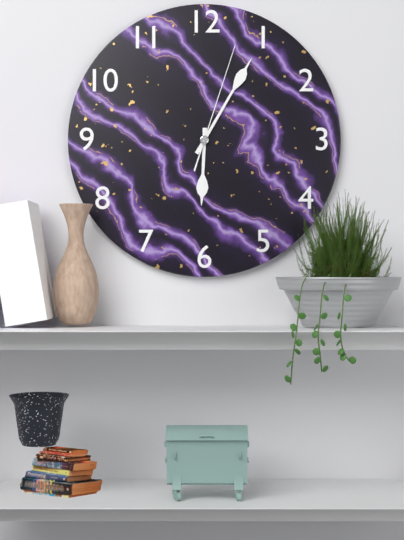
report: 6h05m03s
